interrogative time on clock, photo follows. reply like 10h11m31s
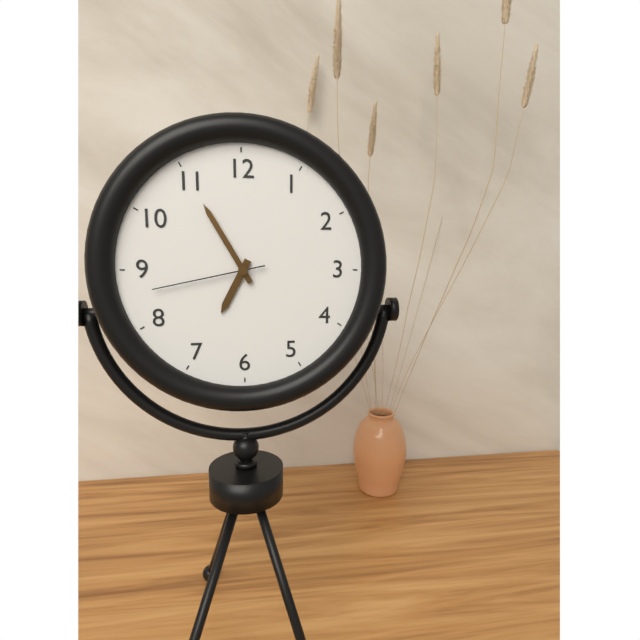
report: 6h55m43s
